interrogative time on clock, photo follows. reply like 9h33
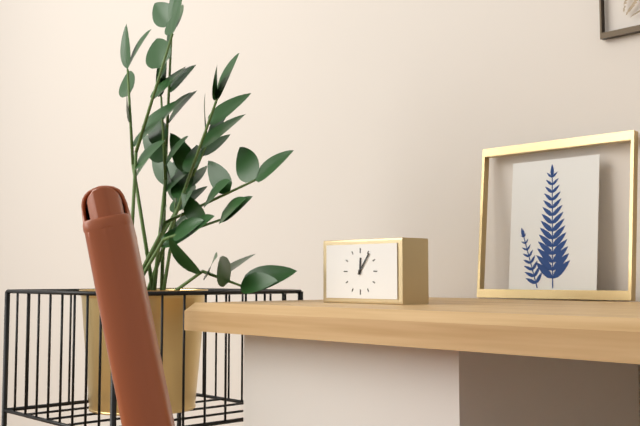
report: 12h06
